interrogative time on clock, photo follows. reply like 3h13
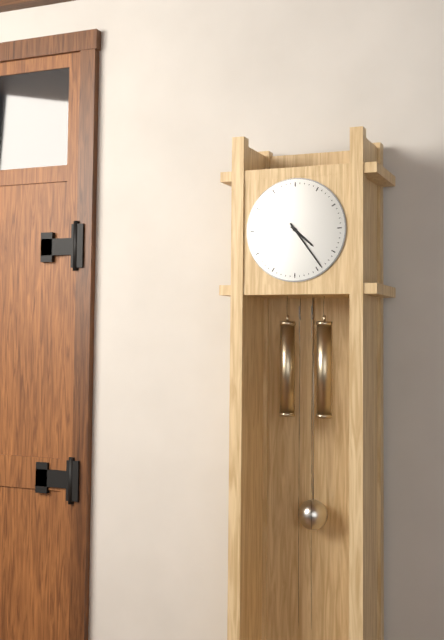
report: 4h24
